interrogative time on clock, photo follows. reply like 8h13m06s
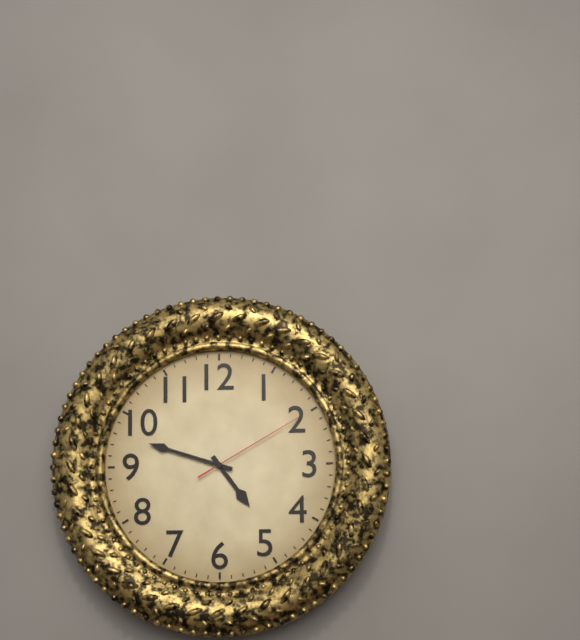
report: 4h48m10s
